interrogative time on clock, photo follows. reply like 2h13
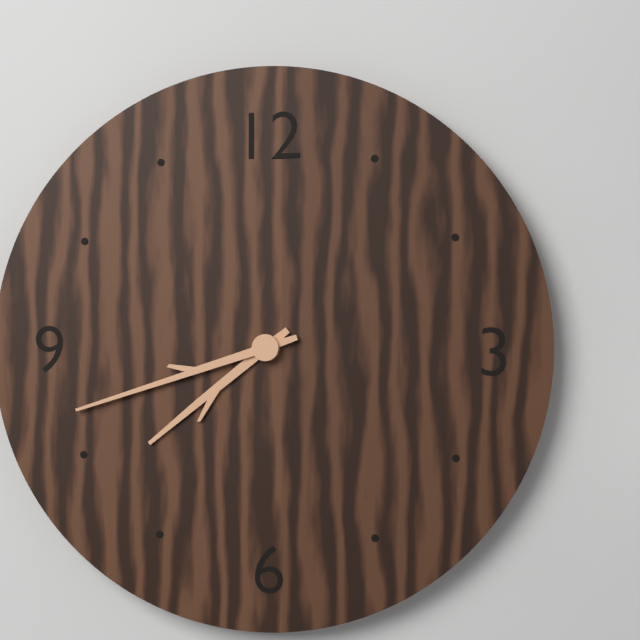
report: 7h42
